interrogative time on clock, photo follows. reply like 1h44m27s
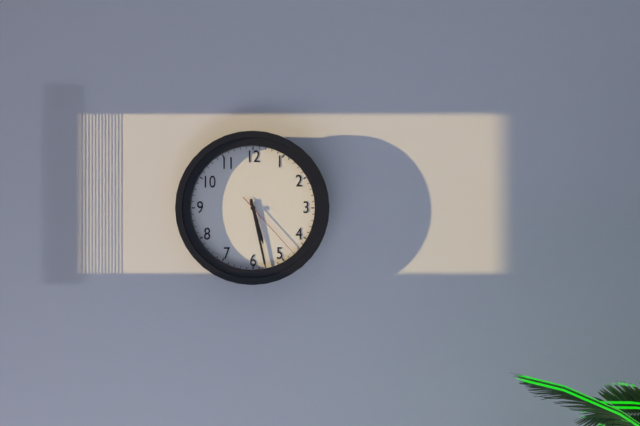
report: 5h28m23s
